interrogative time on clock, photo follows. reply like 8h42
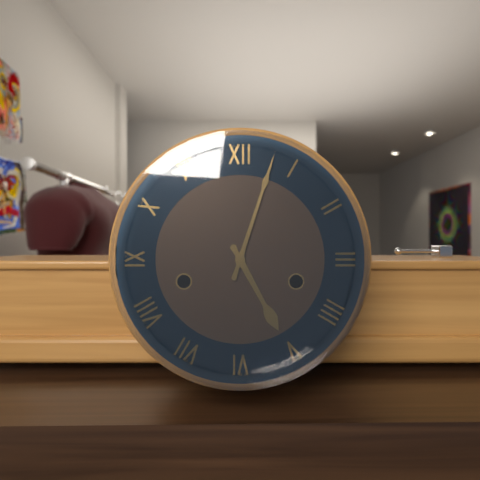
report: 5h03
